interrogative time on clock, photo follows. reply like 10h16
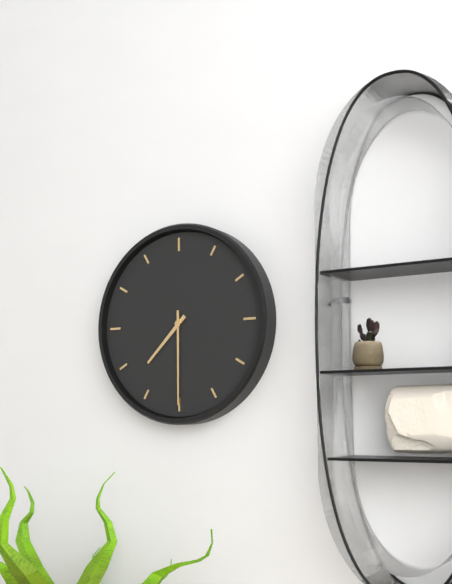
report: 7h30
